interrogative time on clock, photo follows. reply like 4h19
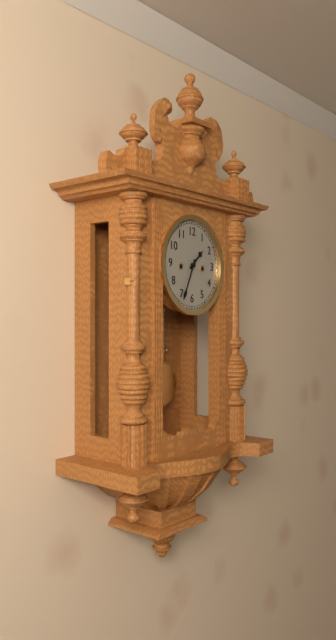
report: 1h34
